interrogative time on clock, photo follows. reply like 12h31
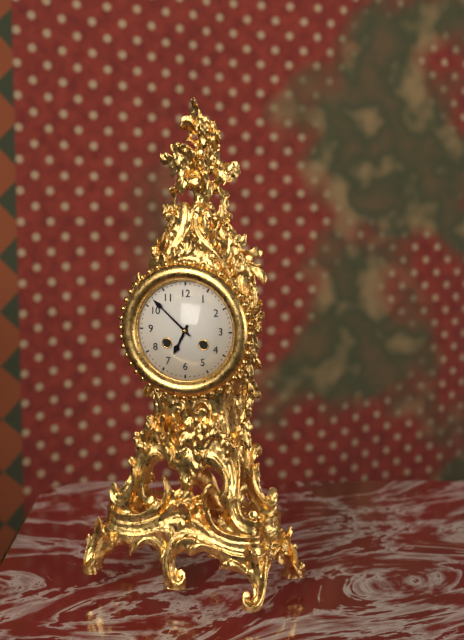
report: 6h52
